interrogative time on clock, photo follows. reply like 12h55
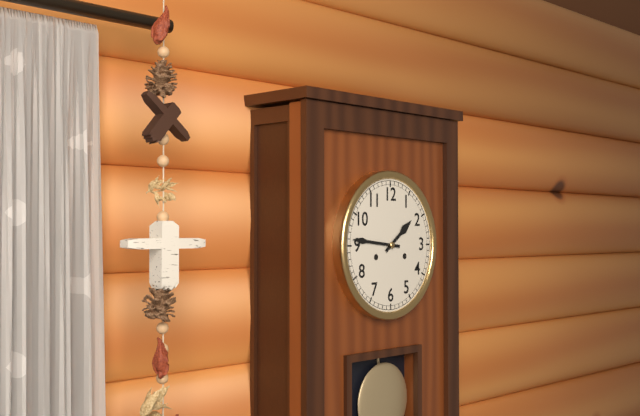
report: 1h46
